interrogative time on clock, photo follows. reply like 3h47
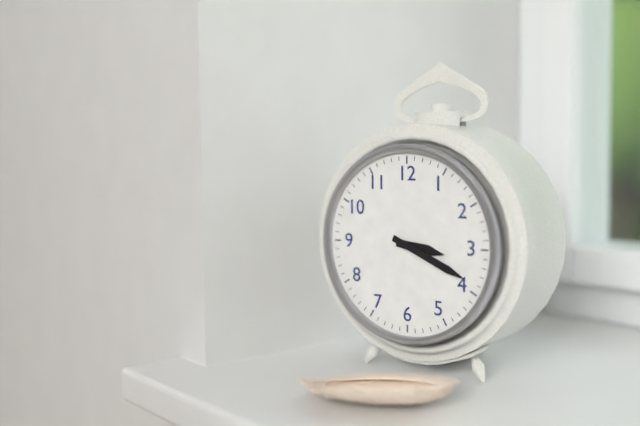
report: 3h19
